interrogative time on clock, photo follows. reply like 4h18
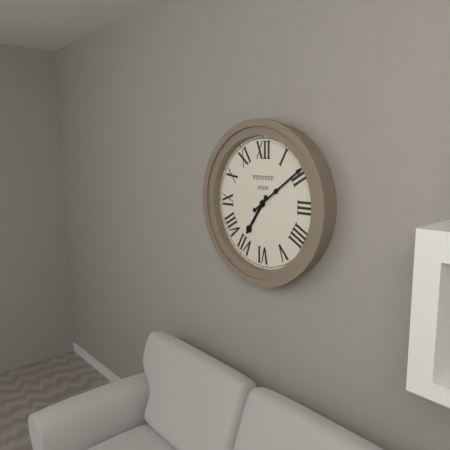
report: 7h09
